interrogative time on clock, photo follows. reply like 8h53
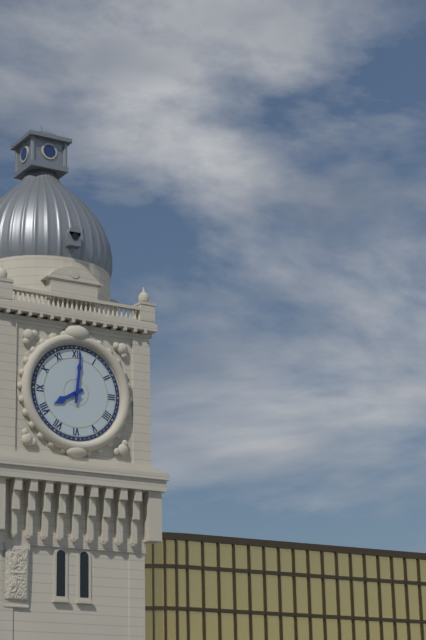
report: 8h01
